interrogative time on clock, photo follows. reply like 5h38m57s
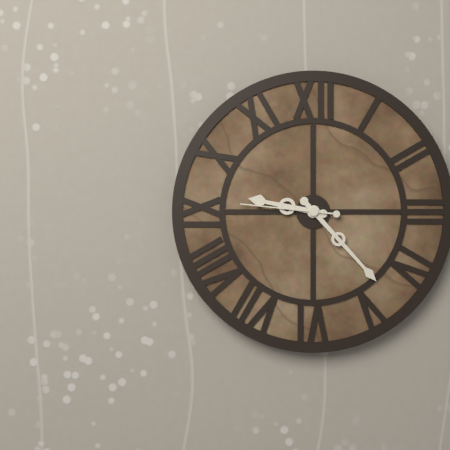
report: 9h23m46s
